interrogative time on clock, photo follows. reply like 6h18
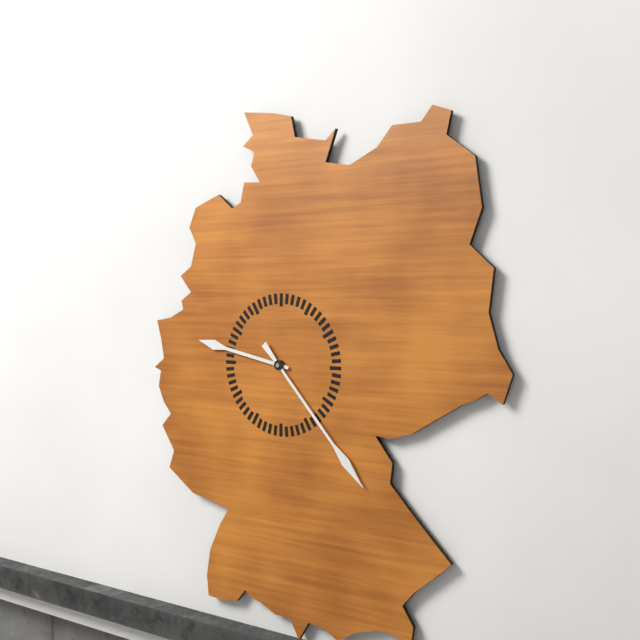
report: 9h23
